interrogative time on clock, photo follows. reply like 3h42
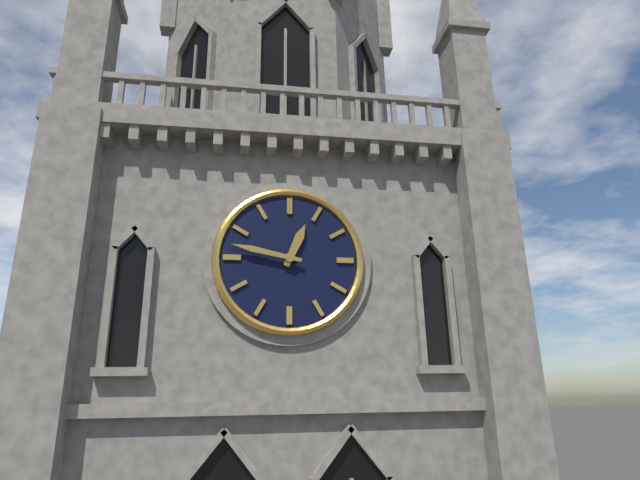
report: 12h47
